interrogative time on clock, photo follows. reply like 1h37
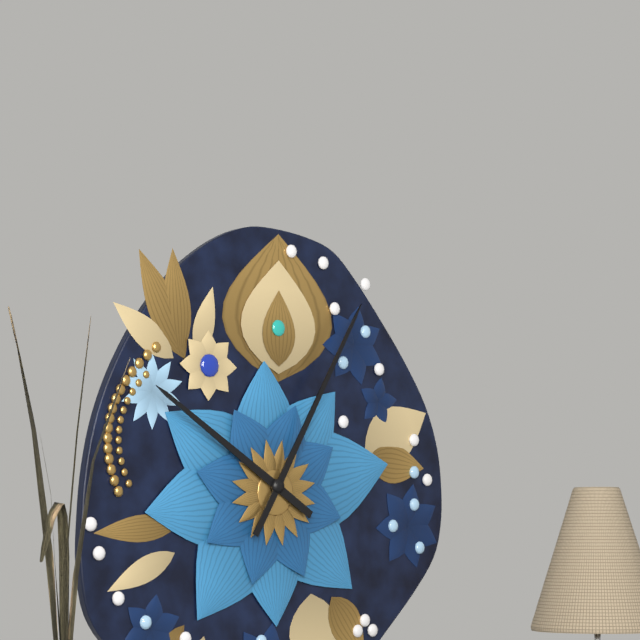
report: 10h05
